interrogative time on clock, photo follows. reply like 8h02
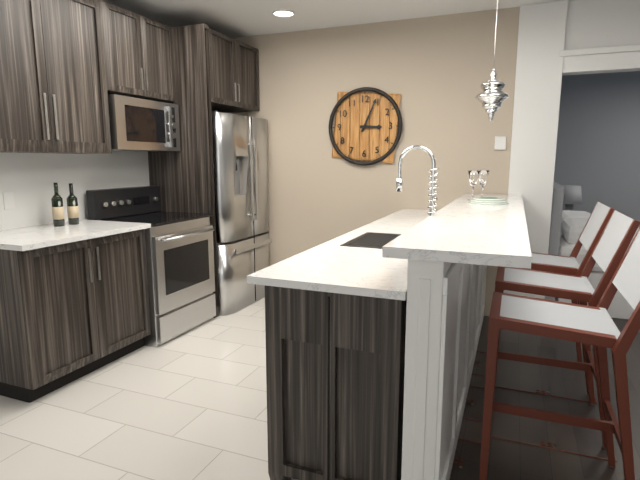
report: 3h04
